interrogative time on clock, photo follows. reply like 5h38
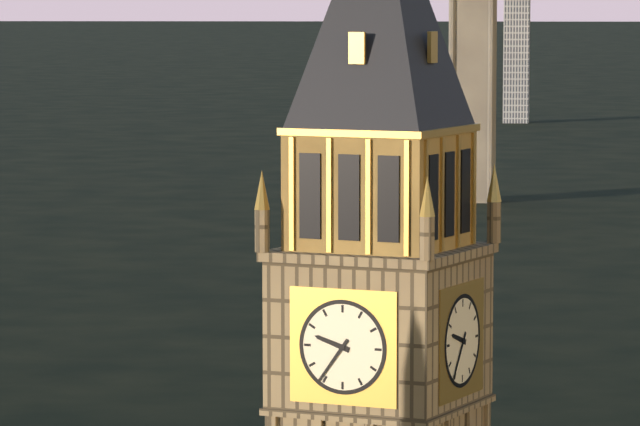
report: 9h36
